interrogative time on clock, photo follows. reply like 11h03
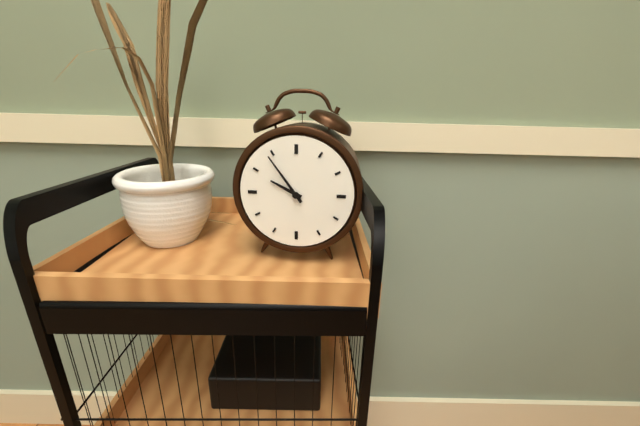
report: 9h54
